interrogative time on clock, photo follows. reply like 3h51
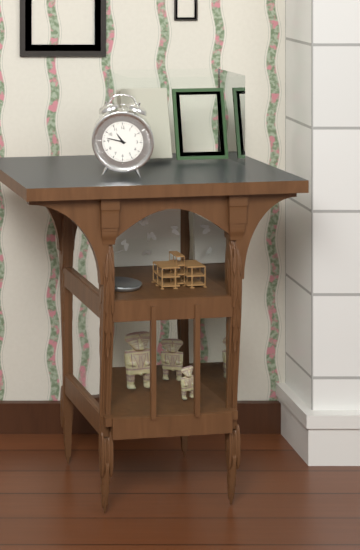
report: 10h47
